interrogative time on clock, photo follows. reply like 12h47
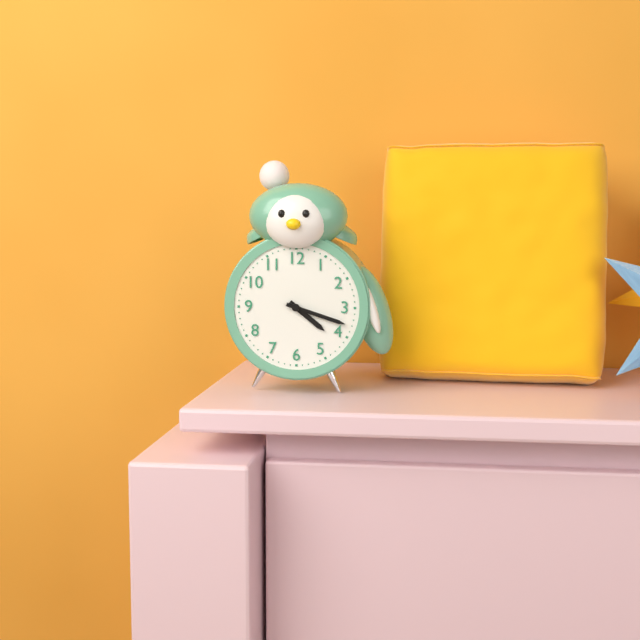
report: 4h18
